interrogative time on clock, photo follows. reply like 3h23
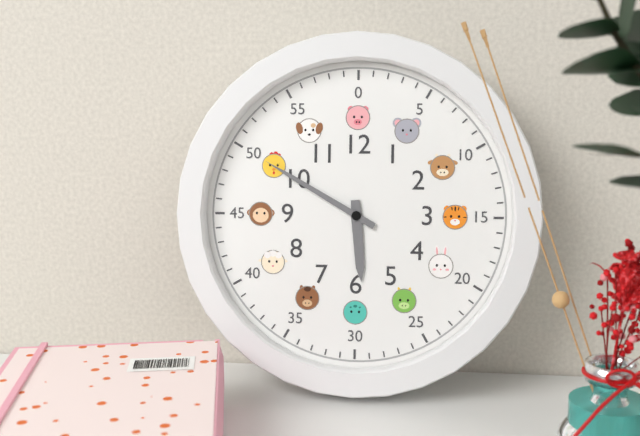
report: 5h50
